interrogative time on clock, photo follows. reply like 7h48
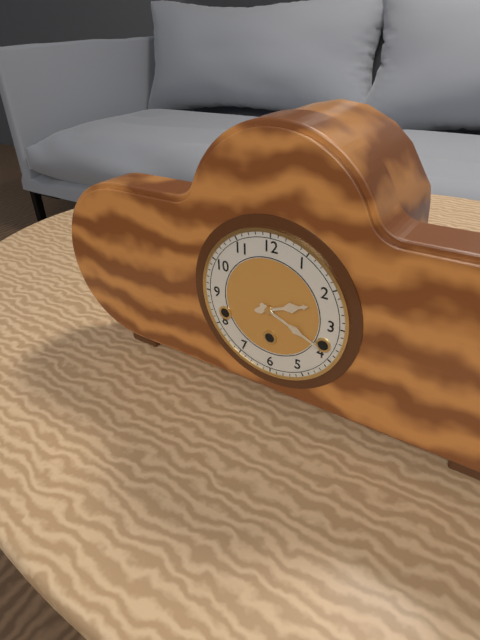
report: 2h19
